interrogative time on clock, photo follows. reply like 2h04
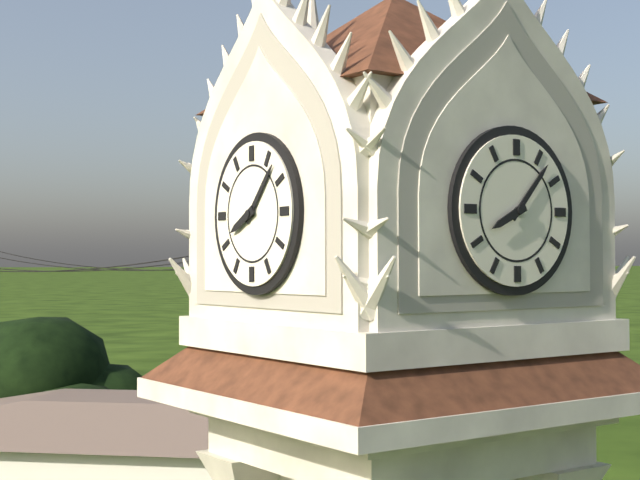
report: 8h07
